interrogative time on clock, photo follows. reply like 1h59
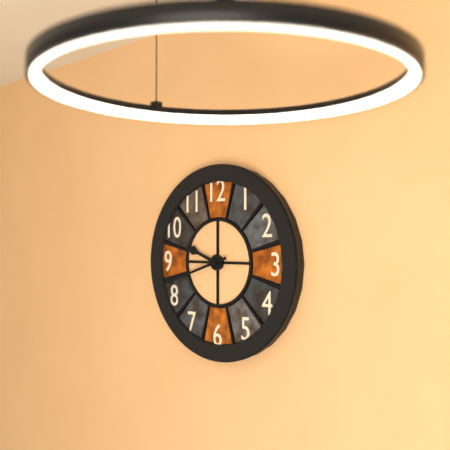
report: 9h42
